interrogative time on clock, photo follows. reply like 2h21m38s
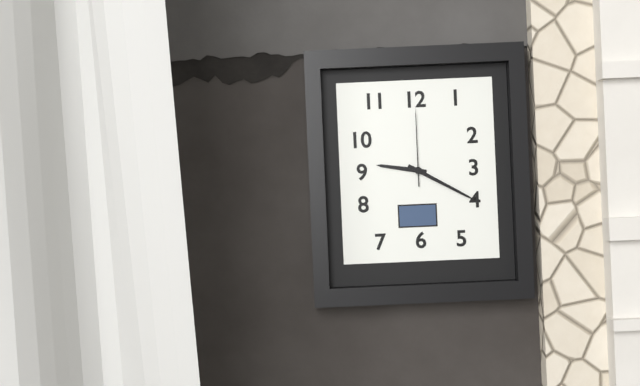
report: 9h20m00s
